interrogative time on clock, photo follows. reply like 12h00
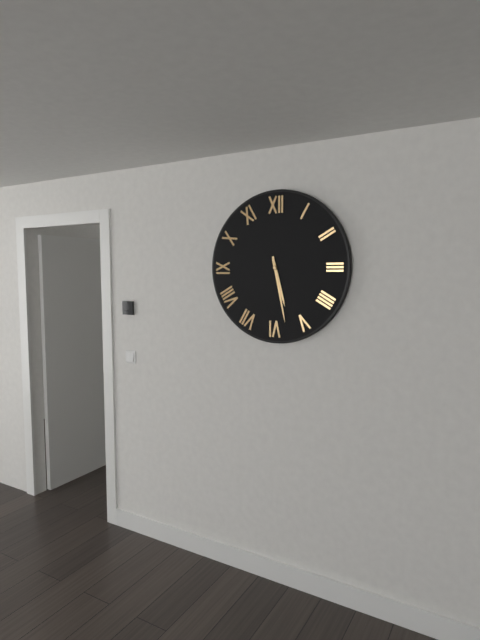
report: 5h28
